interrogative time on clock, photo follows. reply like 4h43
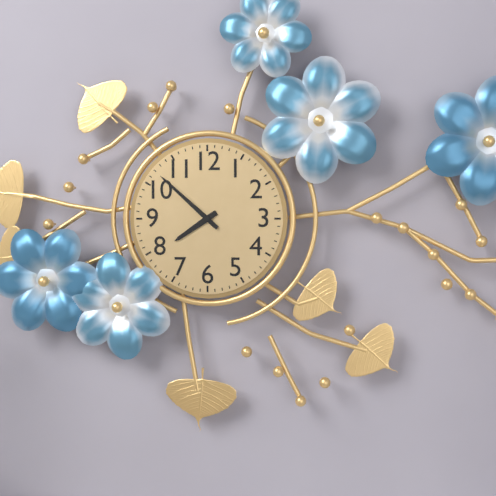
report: 7h52
